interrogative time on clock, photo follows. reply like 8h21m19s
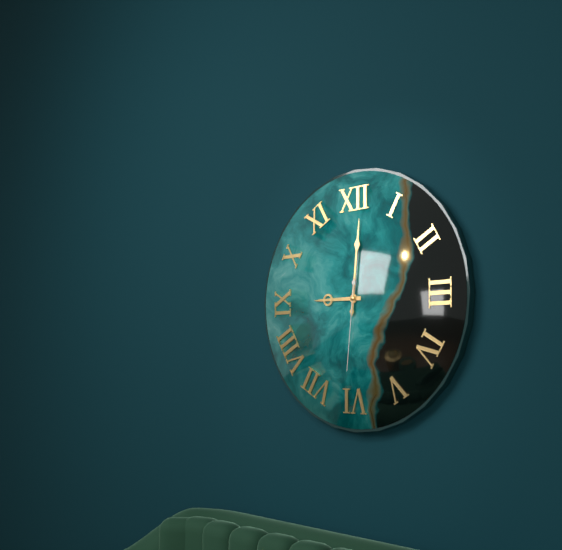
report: 9h01m31s
